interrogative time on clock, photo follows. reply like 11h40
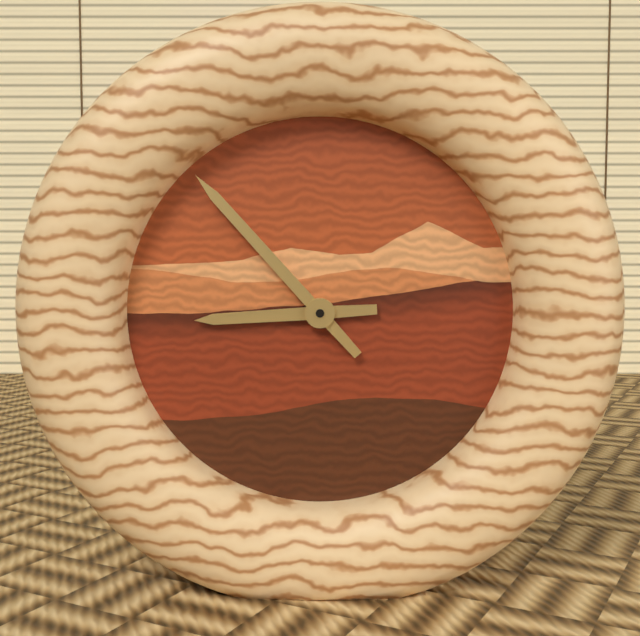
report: 8h53
